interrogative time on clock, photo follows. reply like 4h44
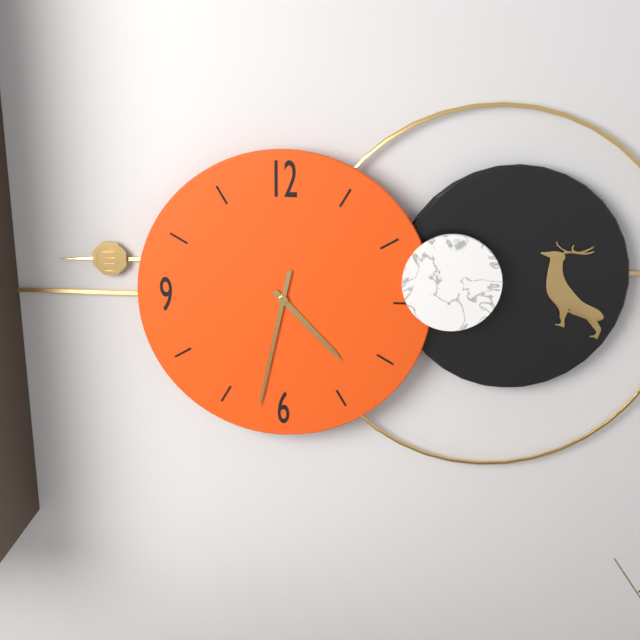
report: 4h32
